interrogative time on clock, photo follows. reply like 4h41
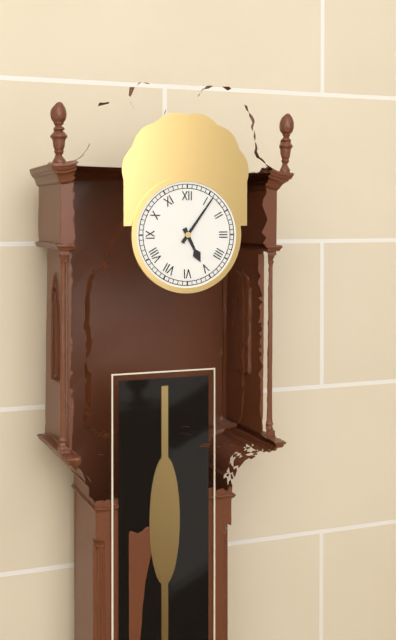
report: 5h06
